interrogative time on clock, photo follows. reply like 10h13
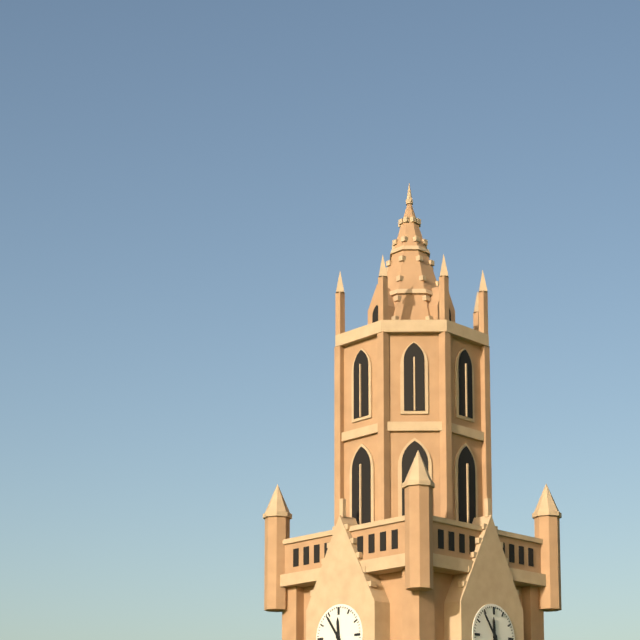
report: 11h54
